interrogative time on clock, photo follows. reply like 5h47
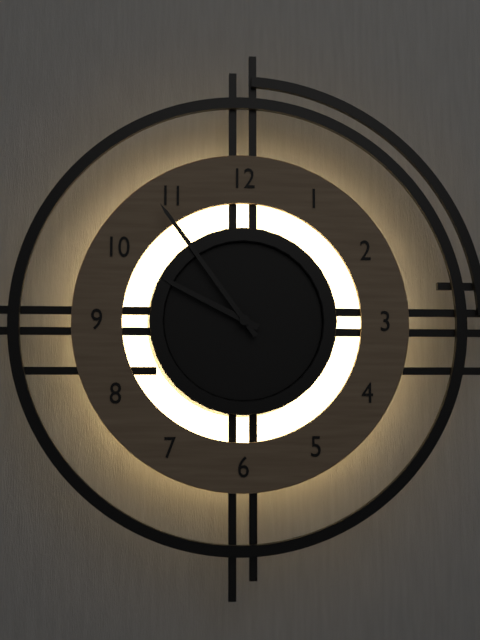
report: 9h54
